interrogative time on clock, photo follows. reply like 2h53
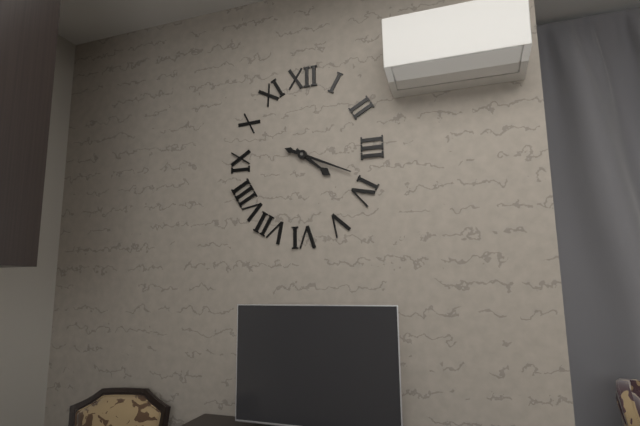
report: 4h19
